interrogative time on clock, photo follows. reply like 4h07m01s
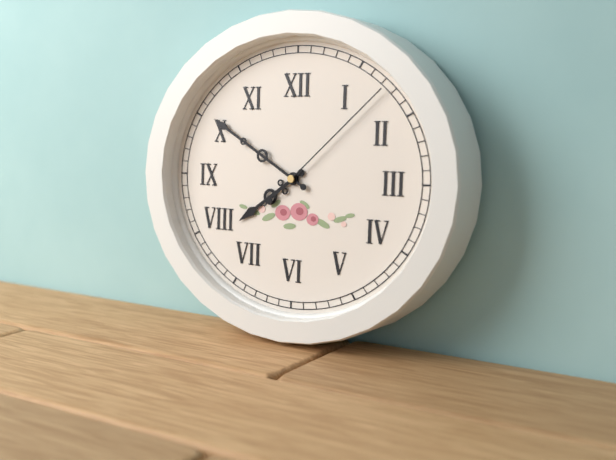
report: 7h50m08s
